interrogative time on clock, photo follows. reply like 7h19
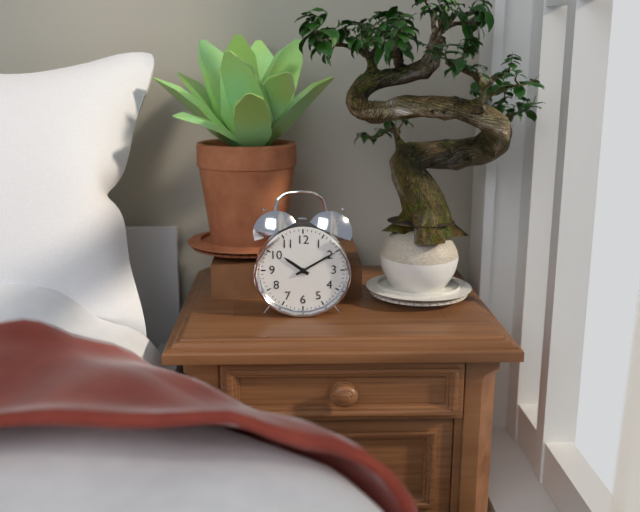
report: 10h10
